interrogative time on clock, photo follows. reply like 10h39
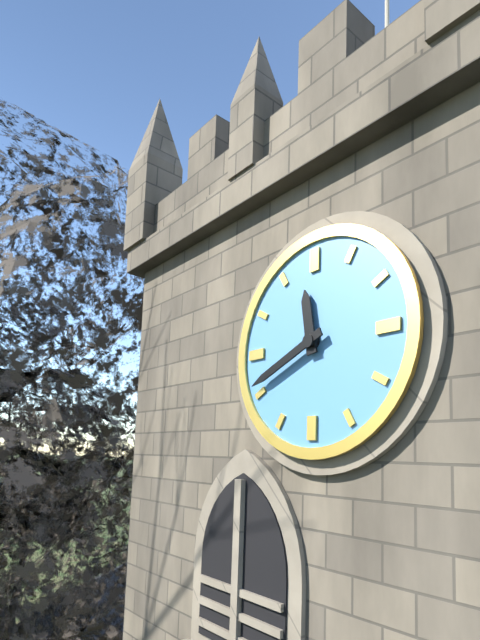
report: 11h41
